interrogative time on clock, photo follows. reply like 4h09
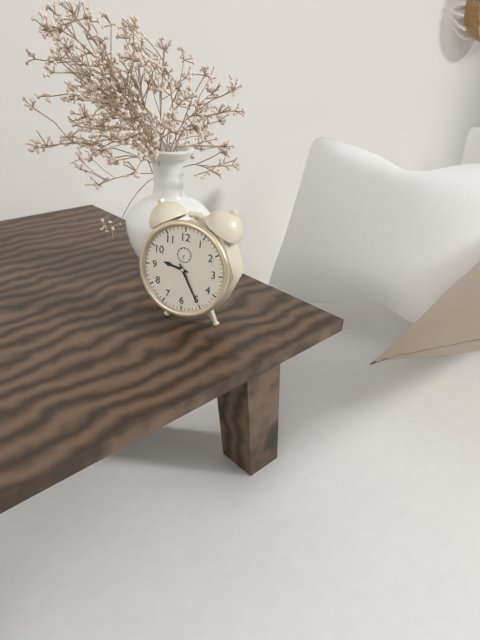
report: 9h25
